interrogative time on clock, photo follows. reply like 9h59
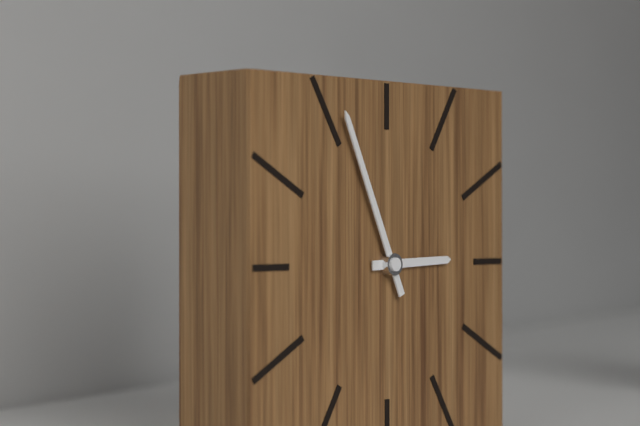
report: 2h56
